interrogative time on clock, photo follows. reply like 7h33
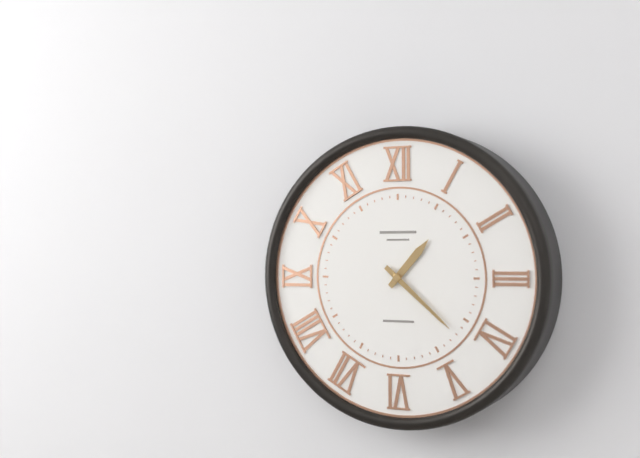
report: 1h22
